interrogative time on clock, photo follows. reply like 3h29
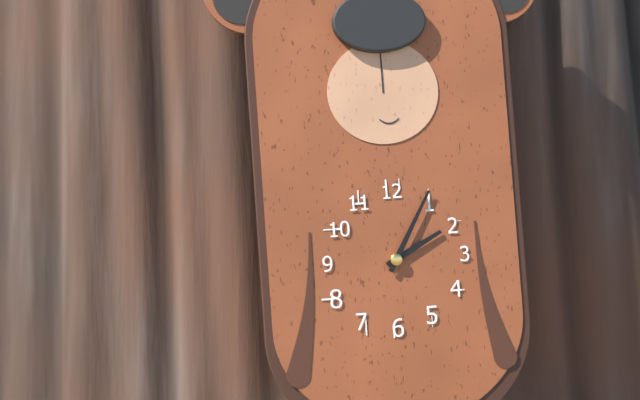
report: 2h05
